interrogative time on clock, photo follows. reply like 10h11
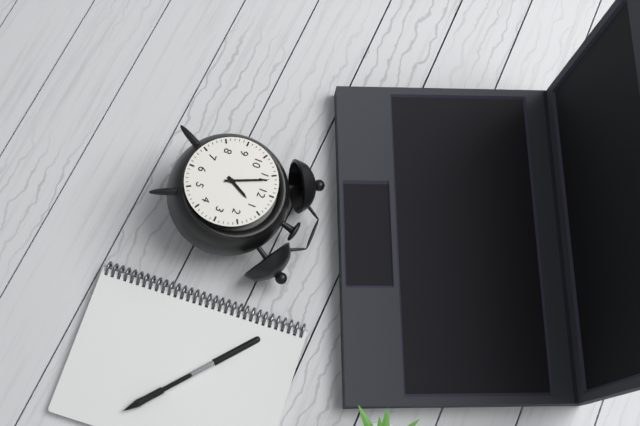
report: 12h56
